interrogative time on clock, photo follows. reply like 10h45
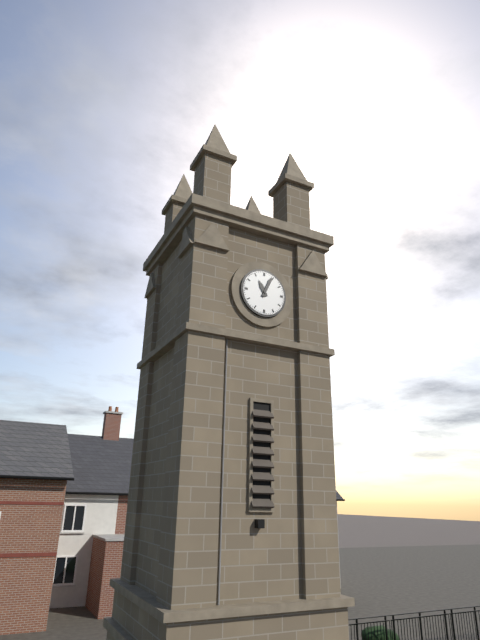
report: 11h04
